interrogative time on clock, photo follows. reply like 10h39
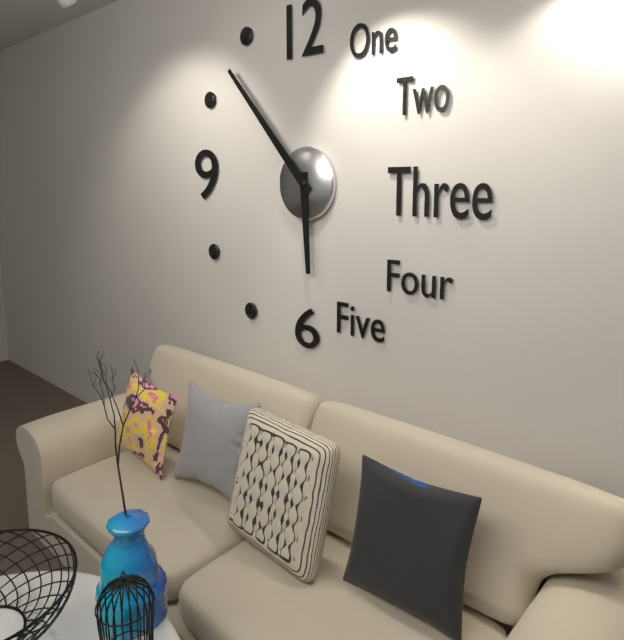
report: 5h53
